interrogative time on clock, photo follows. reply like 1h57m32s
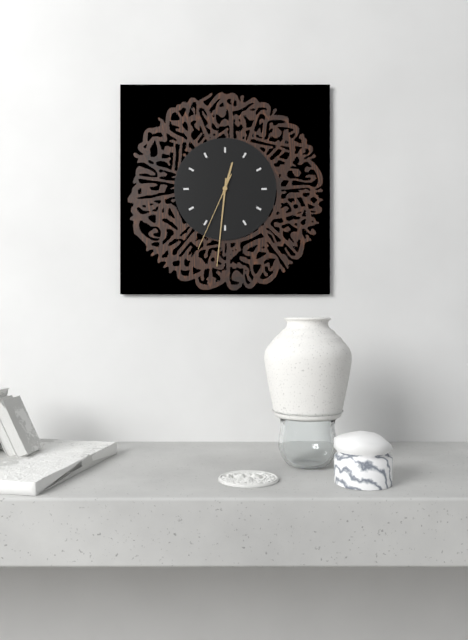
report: 12h31m34s
